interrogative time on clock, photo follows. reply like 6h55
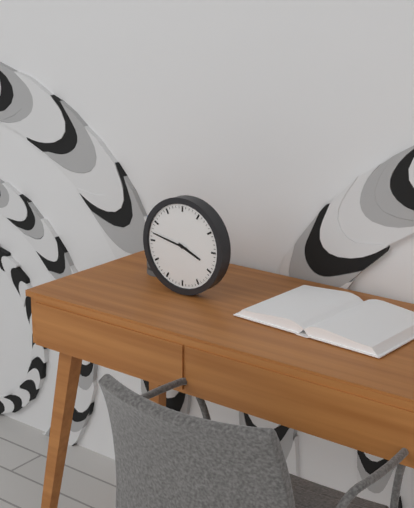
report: 3h47
